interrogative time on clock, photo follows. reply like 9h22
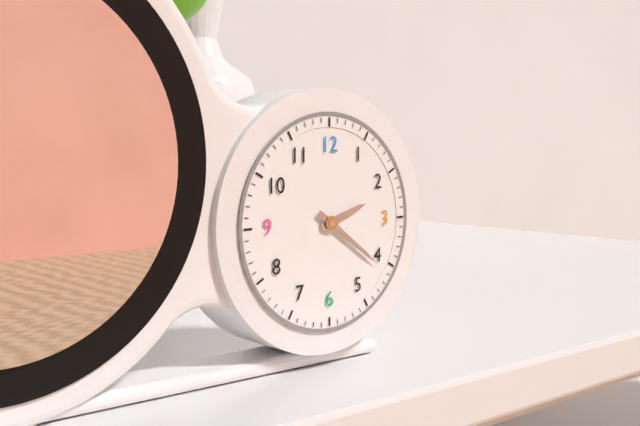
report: 2h21
